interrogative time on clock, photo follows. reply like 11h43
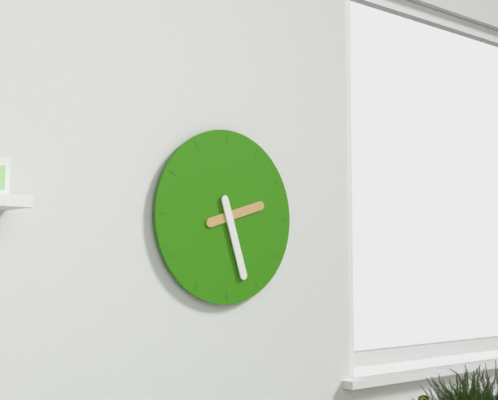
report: 2h27
